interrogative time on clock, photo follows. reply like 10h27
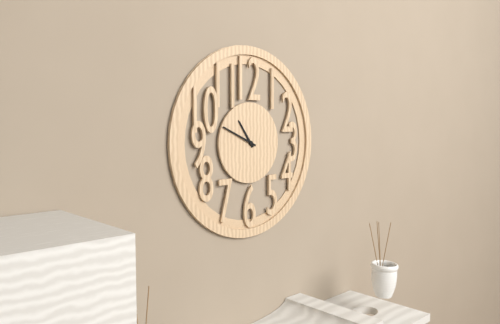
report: 10h49
